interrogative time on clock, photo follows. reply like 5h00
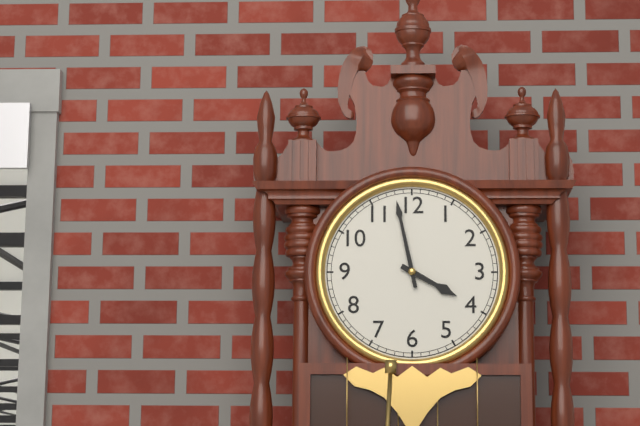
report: 3h58
